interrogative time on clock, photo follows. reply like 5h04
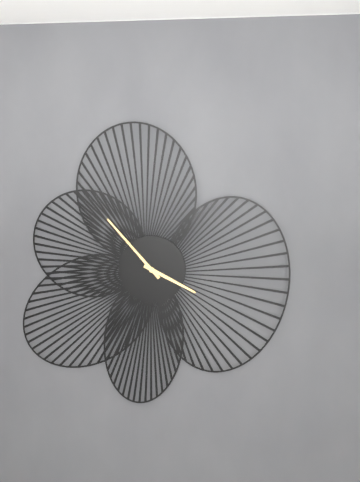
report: 3h53
